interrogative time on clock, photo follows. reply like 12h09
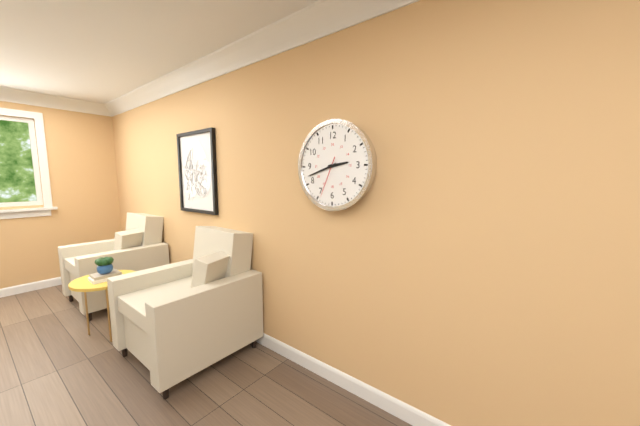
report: 2h42
